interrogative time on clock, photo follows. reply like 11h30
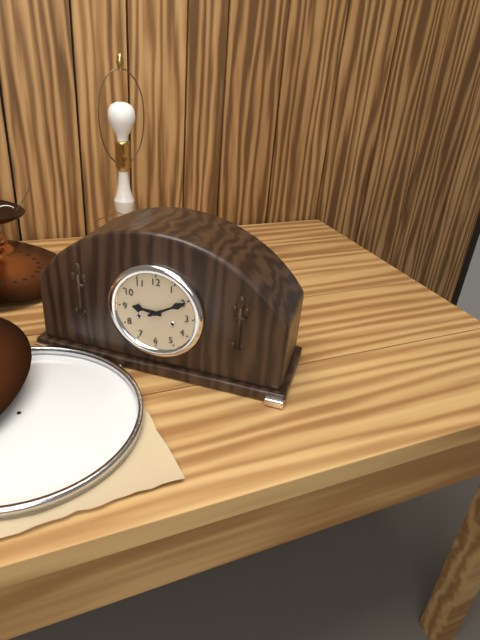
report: 9h10
